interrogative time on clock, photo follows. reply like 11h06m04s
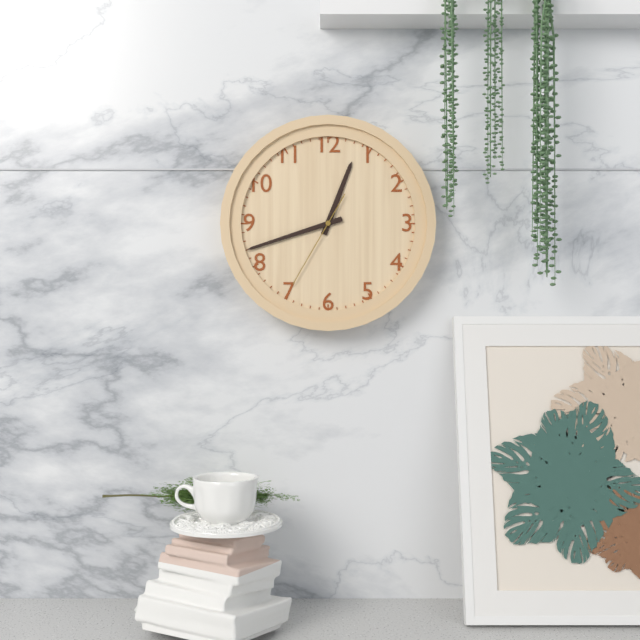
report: 12h42m35s
